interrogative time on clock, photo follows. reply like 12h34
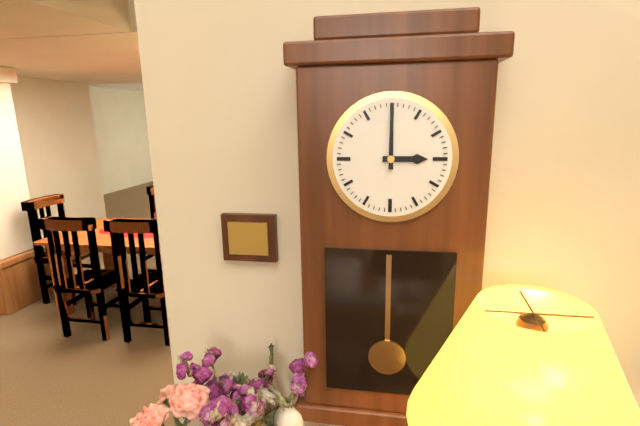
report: 3h00
